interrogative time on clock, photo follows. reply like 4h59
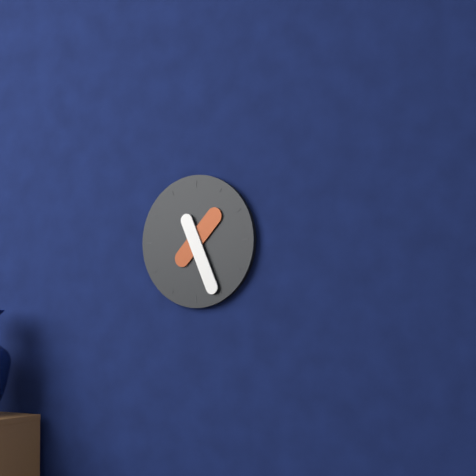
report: 1h26
